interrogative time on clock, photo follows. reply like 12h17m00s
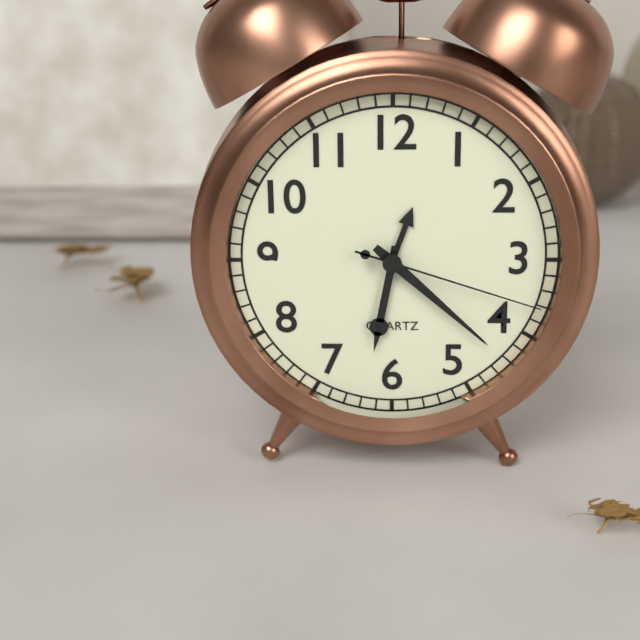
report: 6h22m18s
